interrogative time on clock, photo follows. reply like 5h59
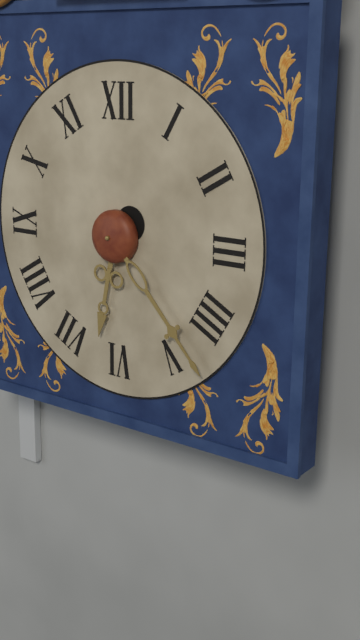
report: 6h23
